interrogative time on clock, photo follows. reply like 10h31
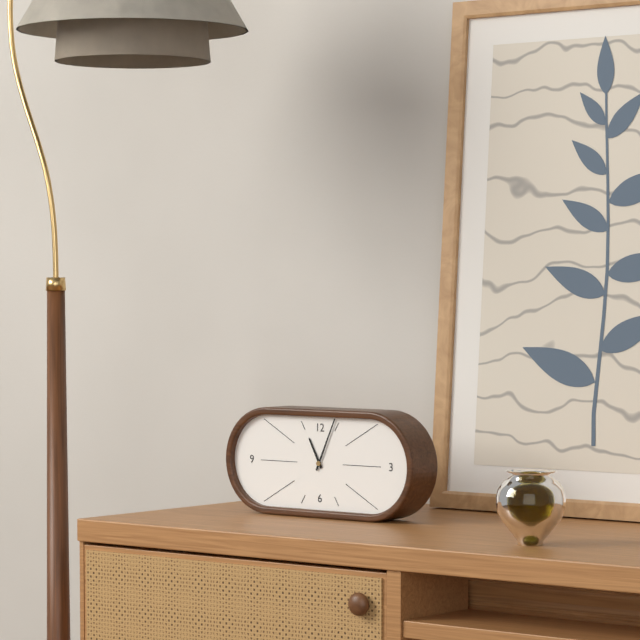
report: 11h04
